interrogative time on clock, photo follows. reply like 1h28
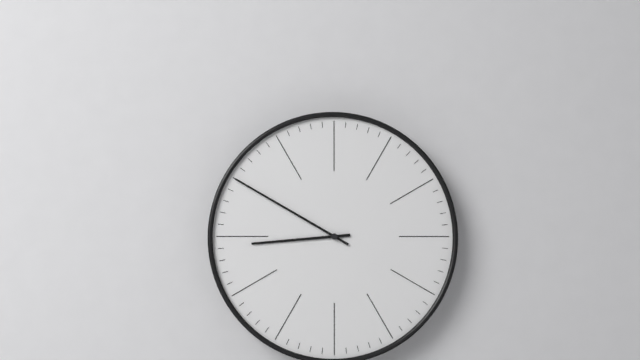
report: 8h50
